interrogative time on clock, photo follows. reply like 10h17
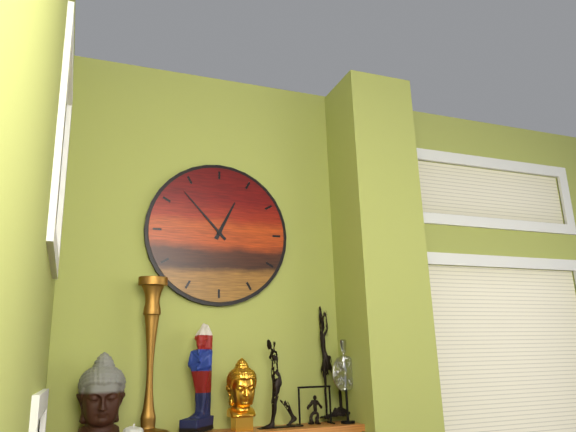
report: 12h53
